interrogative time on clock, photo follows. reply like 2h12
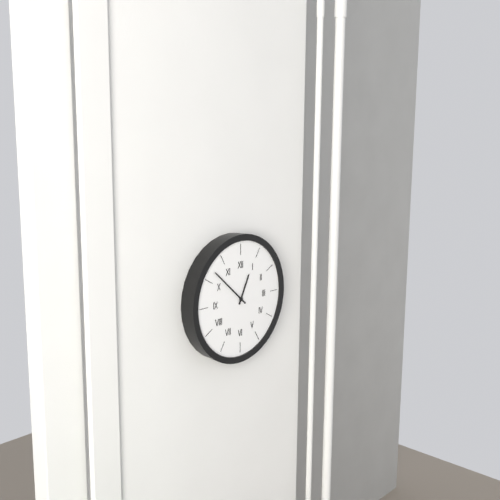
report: 12h52
